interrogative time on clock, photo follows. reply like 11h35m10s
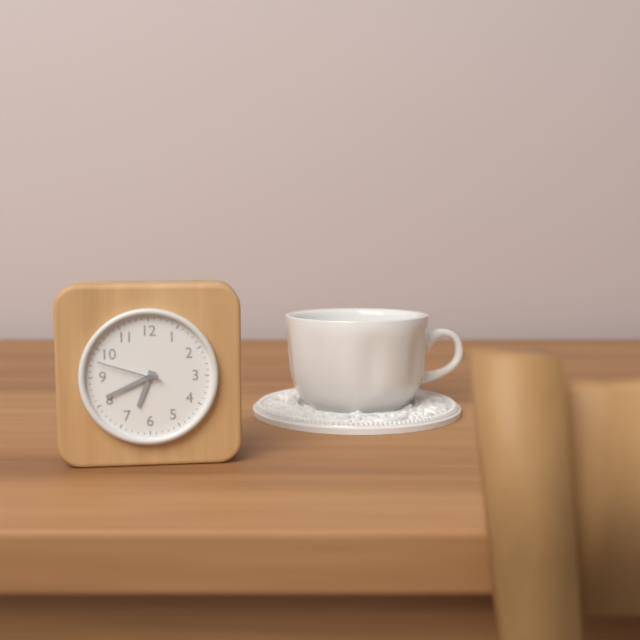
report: 6h41m48s
